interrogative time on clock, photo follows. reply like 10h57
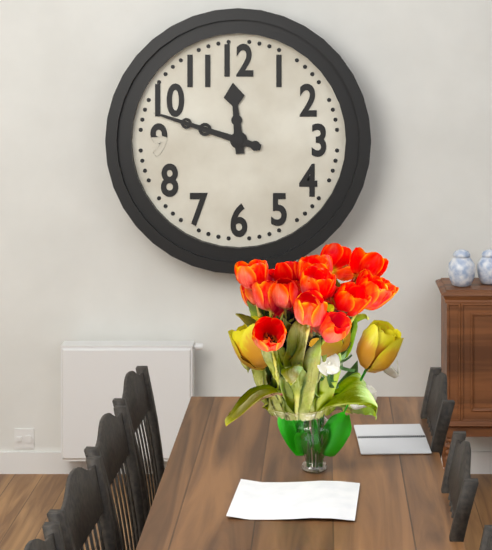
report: 11h48
